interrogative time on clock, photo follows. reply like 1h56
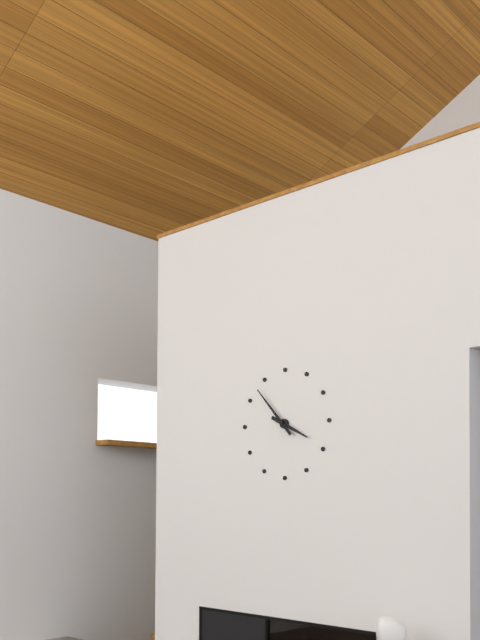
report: 3h53
